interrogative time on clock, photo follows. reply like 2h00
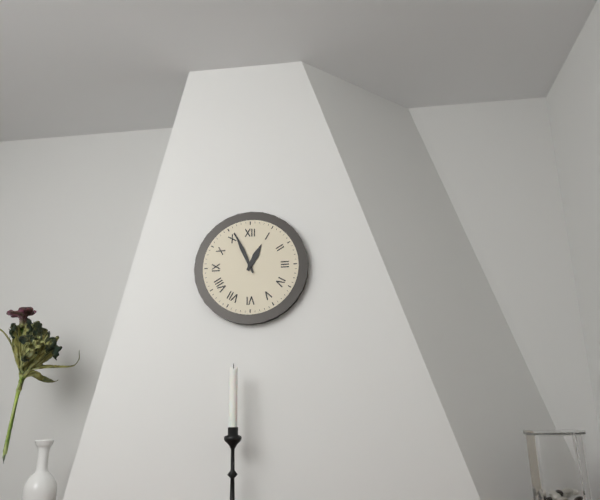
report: 12h56
